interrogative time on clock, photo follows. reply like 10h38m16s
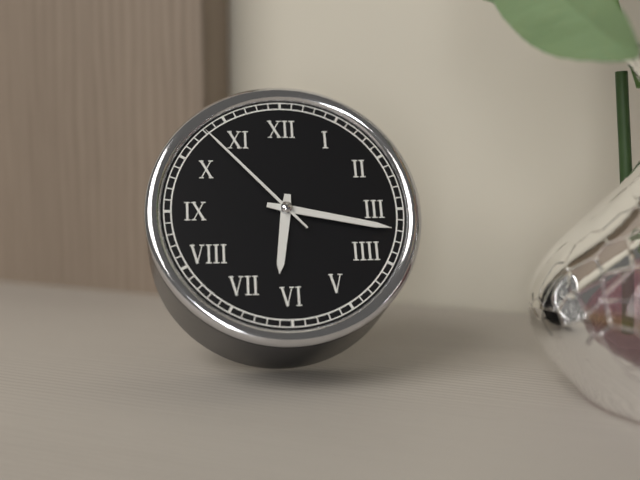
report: 6h17m53s
